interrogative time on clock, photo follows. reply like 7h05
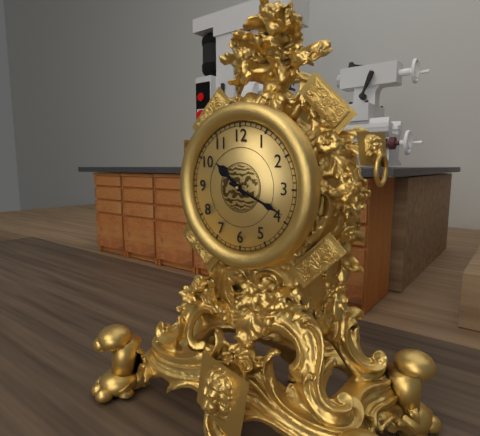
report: 10h19
